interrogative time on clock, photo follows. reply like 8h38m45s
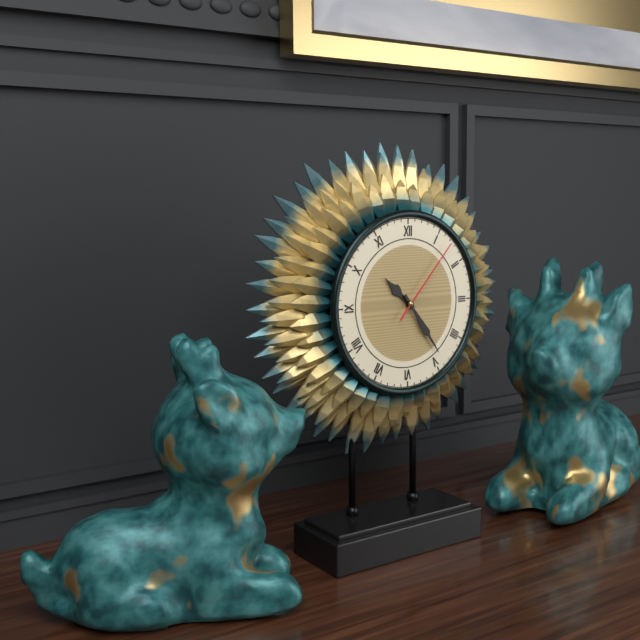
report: 10h24m07s
